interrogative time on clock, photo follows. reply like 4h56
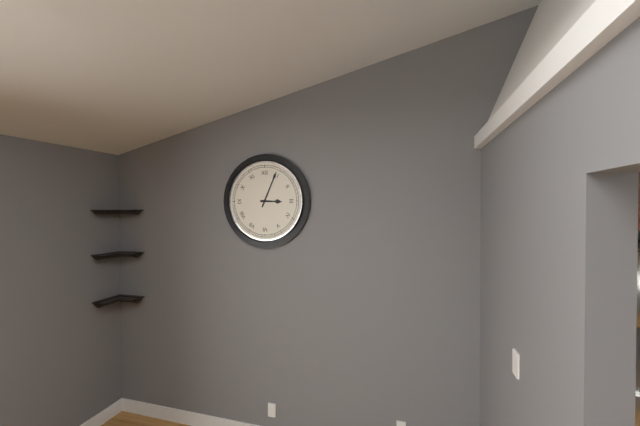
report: 3h04
